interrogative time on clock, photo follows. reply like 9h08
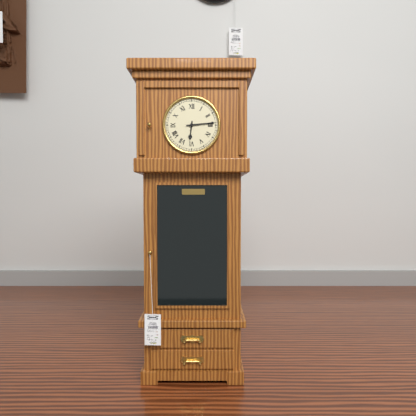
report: 6h14
